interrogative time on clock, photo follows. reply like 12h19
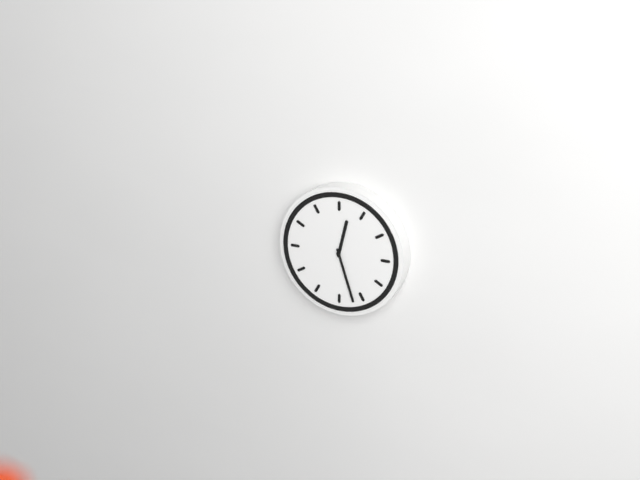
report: 12h27
